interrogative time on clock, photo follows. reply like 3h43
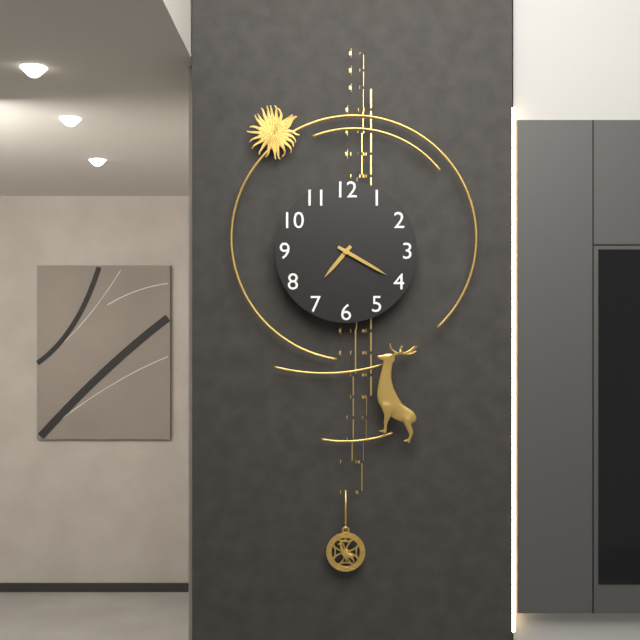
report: 7h20
